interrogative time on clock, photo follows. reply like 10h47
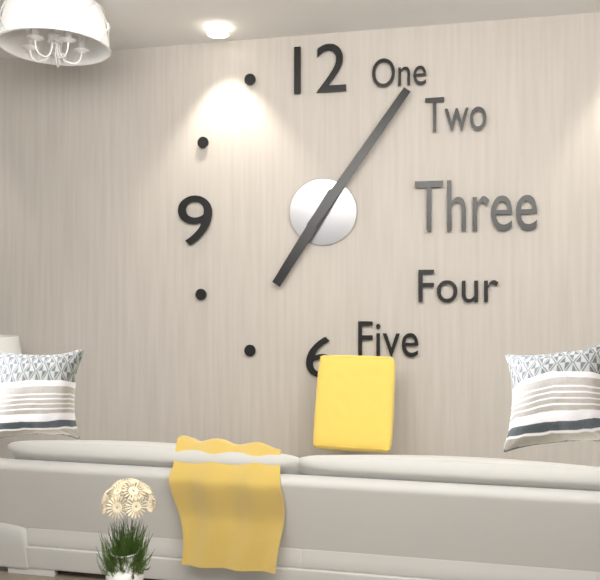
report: 7h06
